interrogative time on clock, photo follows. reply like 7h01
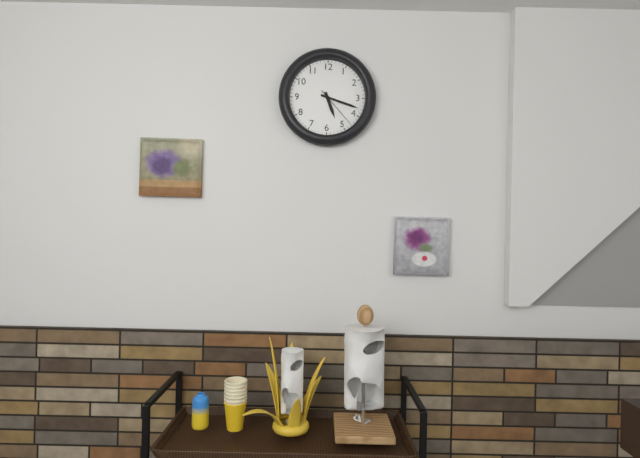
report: 5h18
